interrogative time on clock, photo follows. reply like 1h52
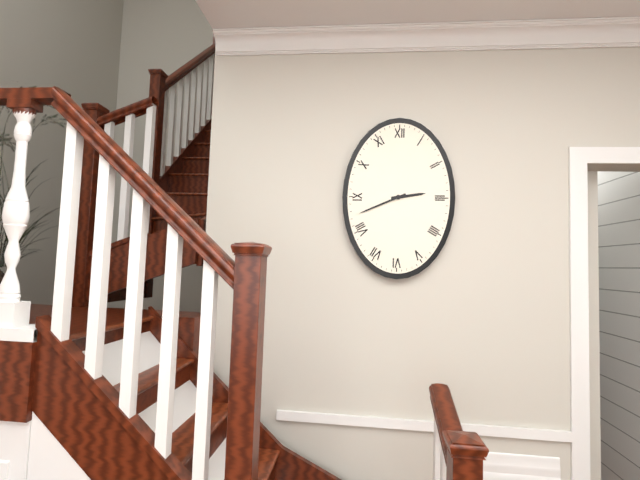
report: 2h41
